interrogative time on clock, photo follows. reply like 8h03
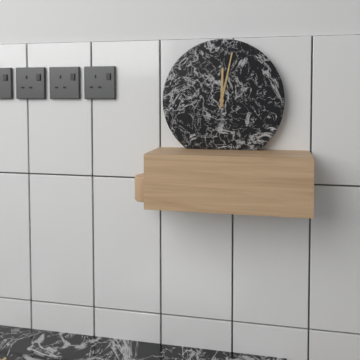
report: 12h02
